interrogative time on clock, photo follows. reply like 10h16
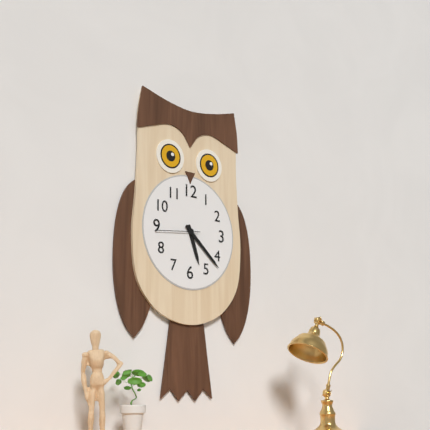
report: 5h22
